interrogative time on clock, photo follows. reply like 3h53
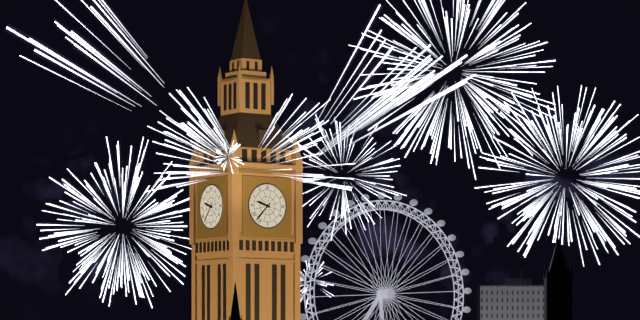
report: 9h37
